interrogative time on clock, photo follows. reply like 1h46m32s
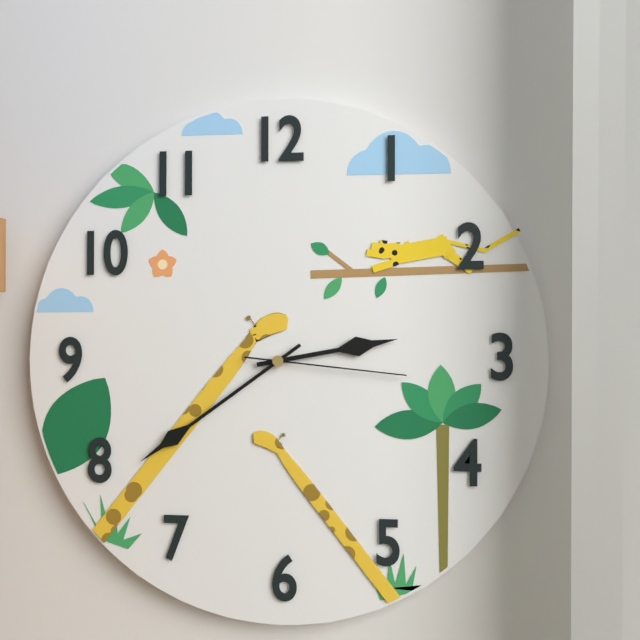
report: 2h39m16s
